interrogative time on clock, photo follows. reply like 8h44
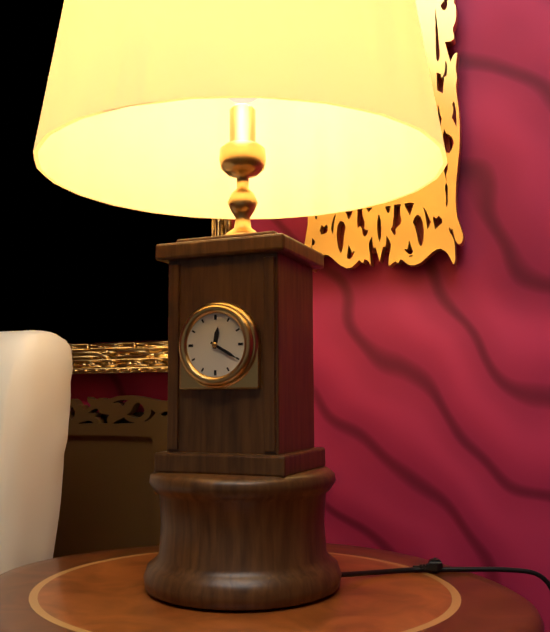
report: 12h20
